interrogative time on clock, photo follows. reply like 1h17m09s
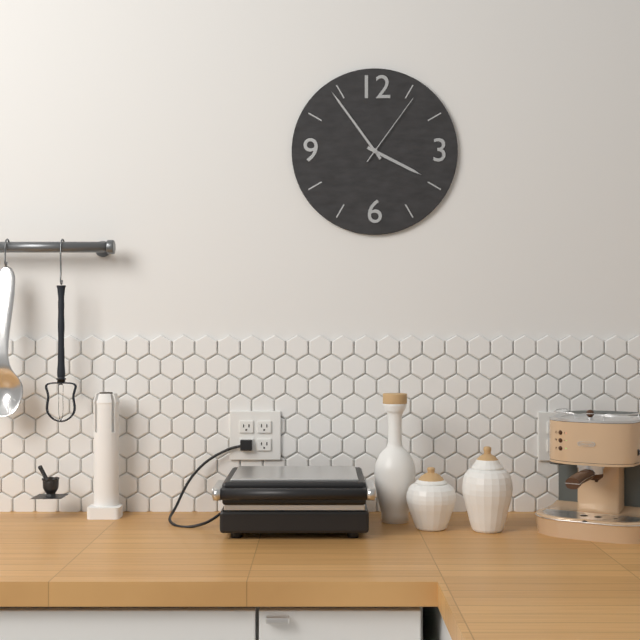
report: 3h54m06s
